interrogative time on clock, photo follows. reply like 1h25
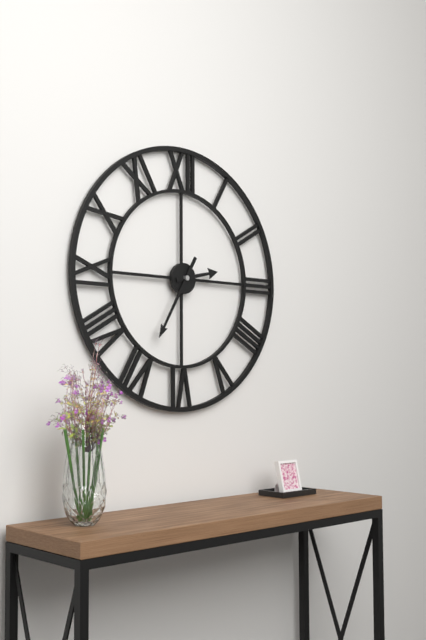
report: 2h35
